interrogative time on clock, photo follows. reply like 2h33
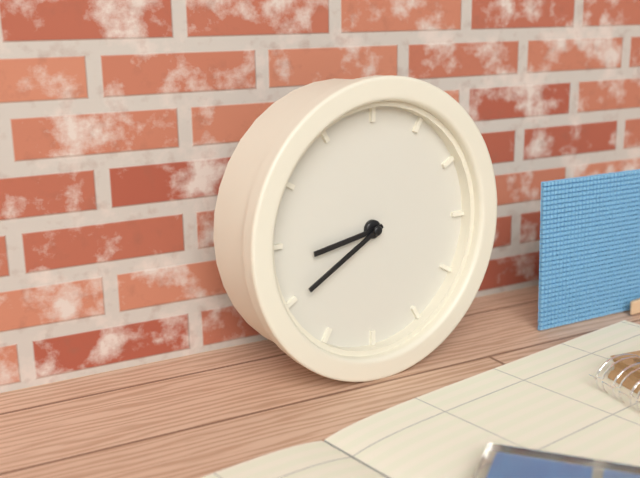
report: 8h40
